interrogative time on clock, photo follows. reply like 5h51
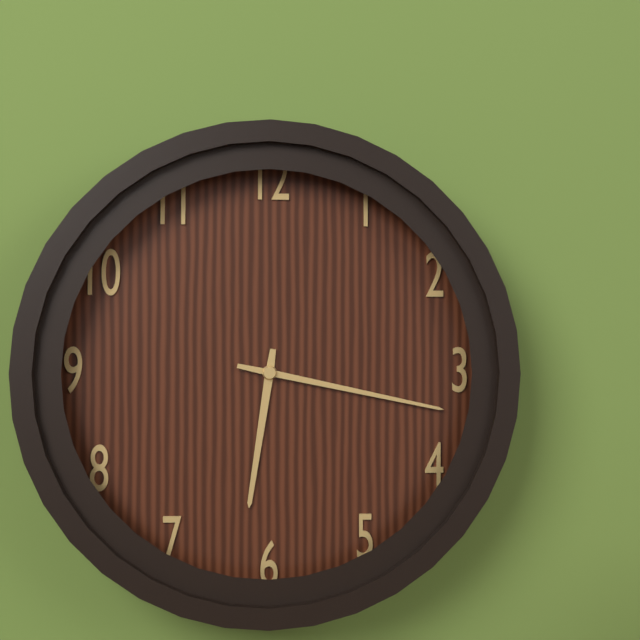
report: 6h17
